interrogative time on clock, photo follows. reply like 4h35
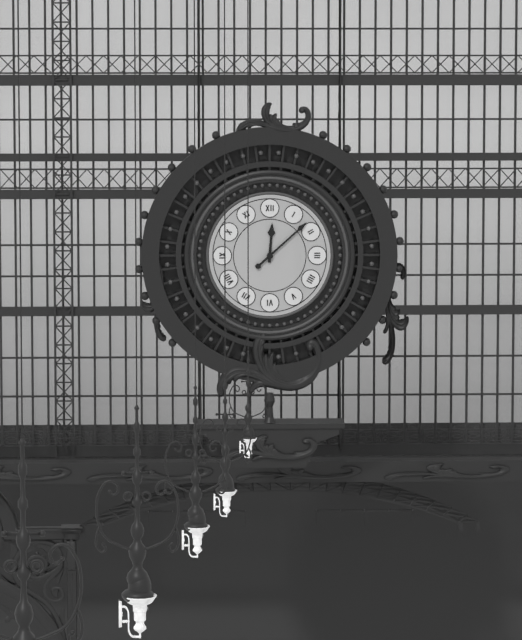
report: 12h08
